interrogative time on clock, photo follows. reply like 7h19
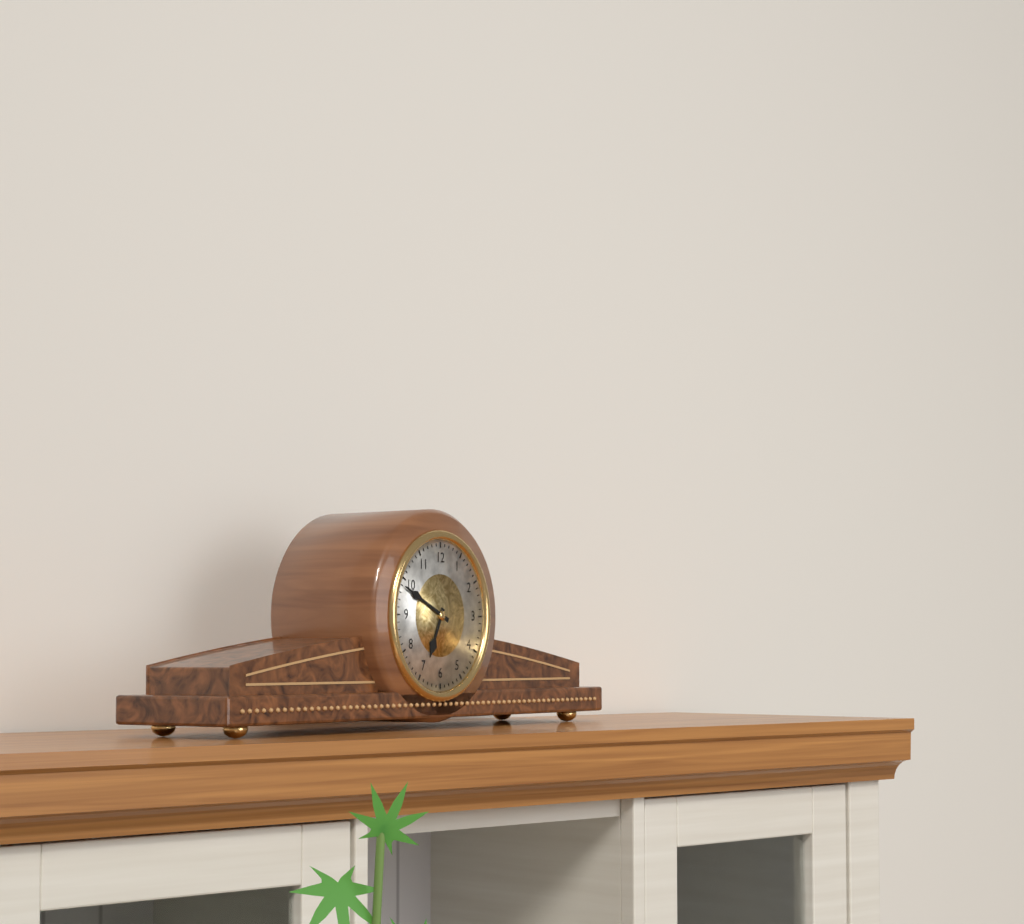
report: 6h49
